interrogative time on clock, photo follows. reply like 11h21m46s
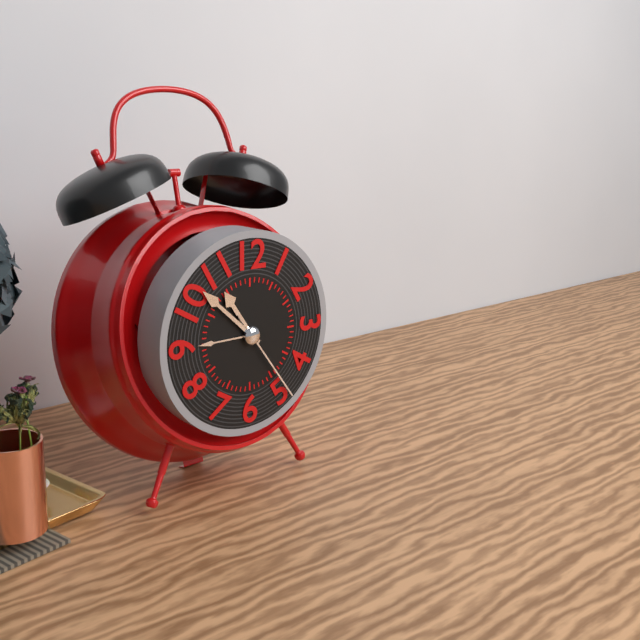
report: 10h52m24s
